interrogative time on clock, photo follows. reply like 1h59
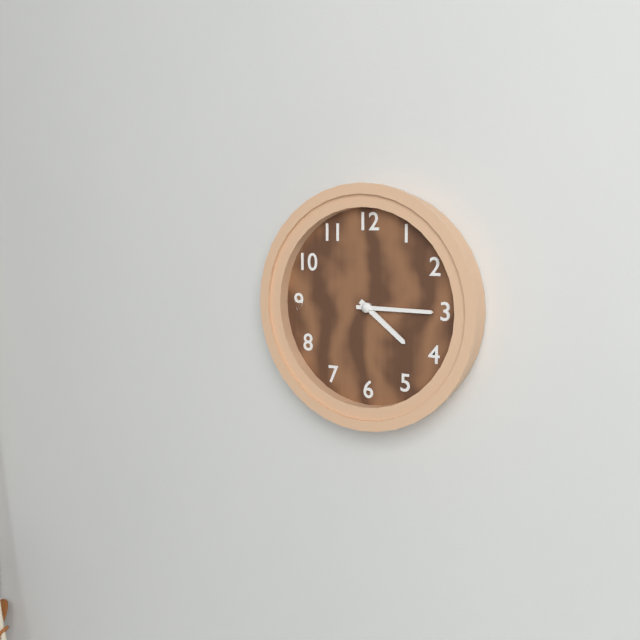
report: 4h15
